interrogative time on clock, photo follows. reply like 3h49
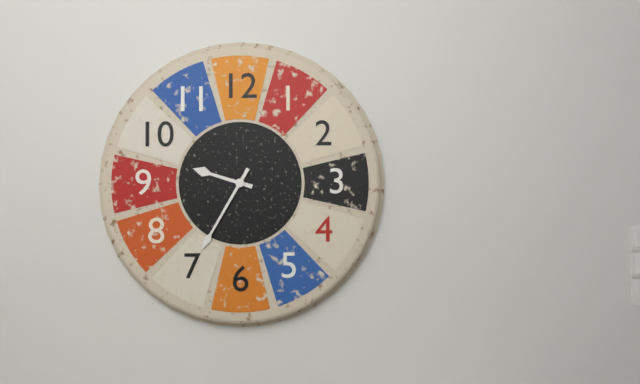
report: 9h35
